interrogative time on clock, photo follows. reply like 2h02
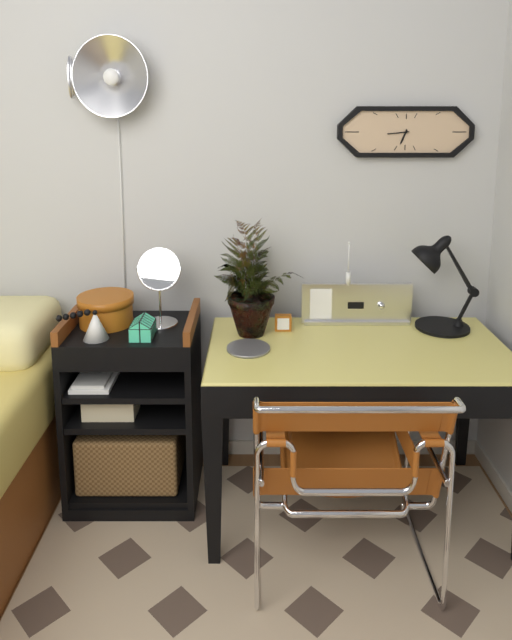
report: 6h44
